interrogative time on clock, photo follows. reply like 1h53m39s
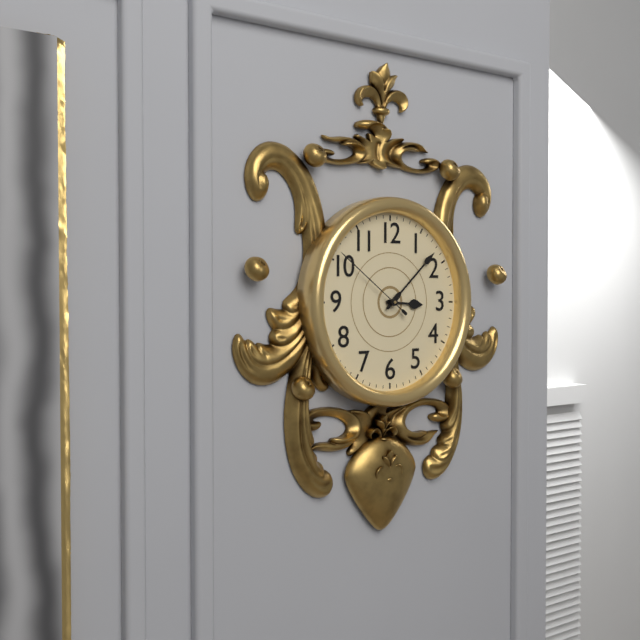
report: 3h08m51s
